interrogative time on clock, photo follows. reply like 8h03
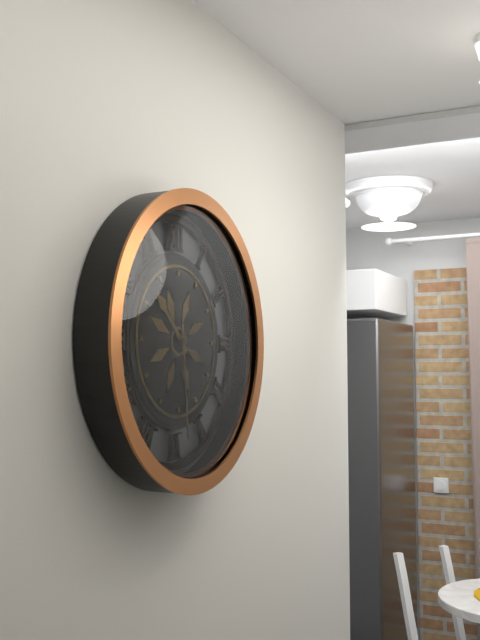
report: 10h29
